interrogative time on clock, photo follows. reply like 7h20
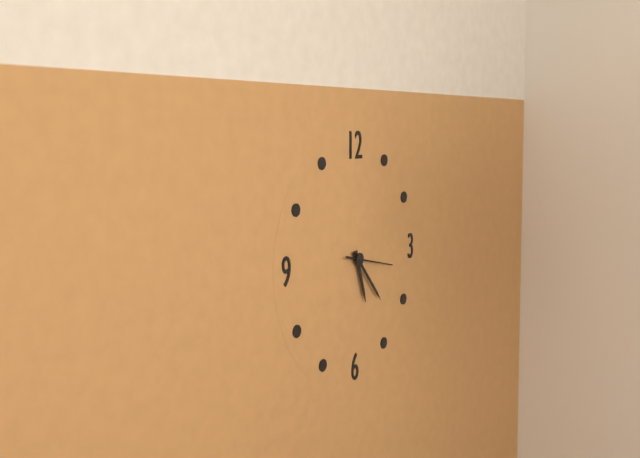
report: 5h23
